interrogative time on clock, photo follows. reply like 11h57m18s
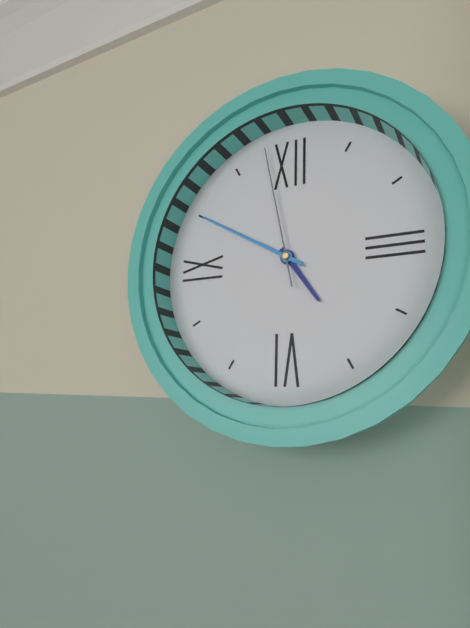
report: 4h50m58s
